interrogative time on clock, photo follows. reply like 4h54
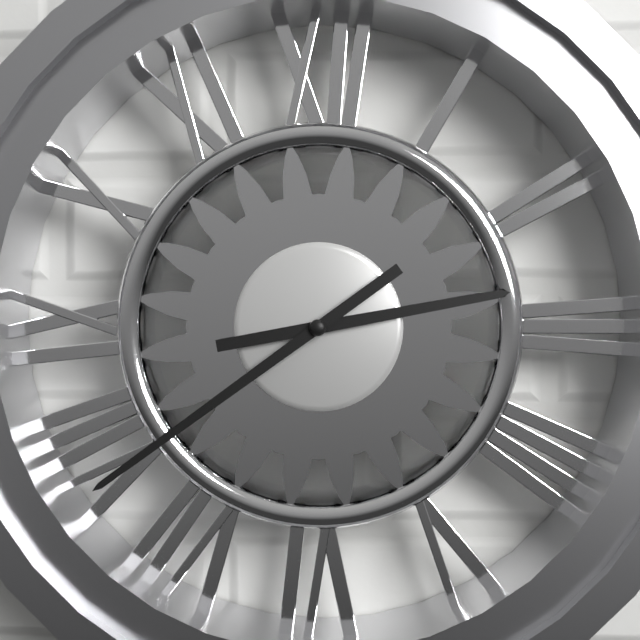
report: 2h39
